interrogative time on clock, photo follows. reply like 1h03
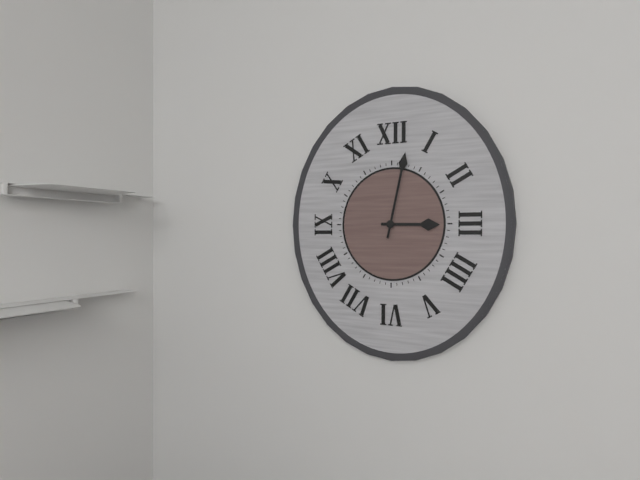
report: 3h02
